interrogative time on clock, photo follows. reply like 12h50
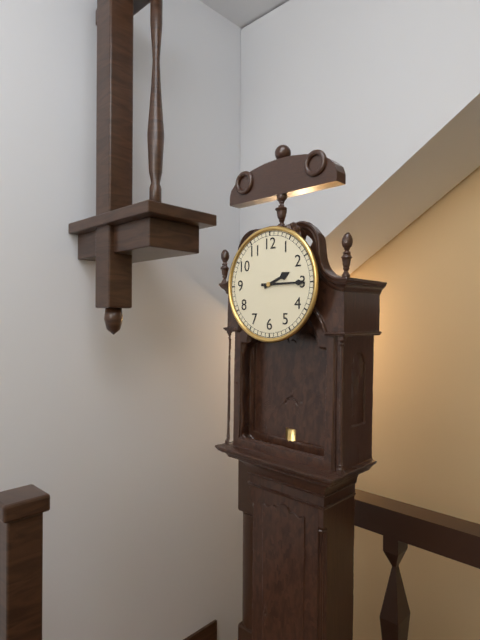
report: 2h15
